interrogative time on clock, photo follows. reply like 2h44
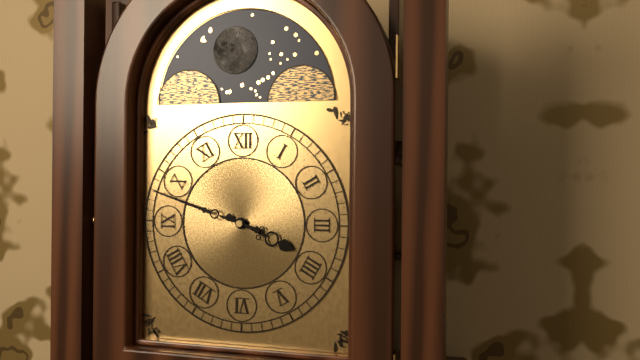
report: 3h48
